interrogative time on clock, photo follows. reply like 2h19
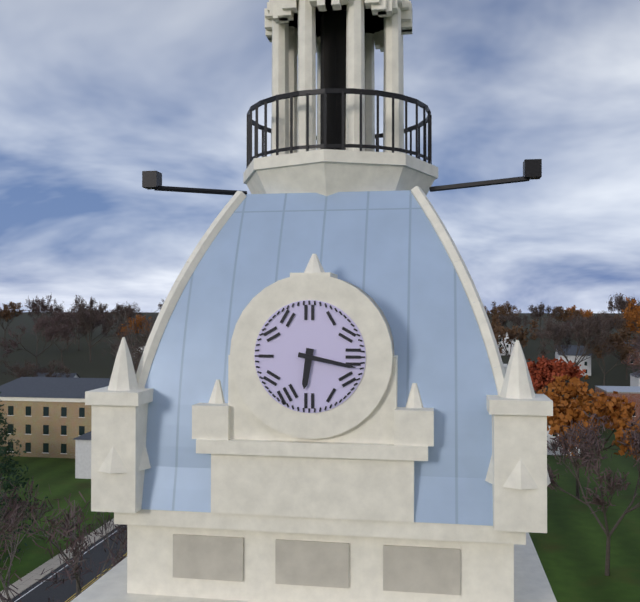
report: 6h17
